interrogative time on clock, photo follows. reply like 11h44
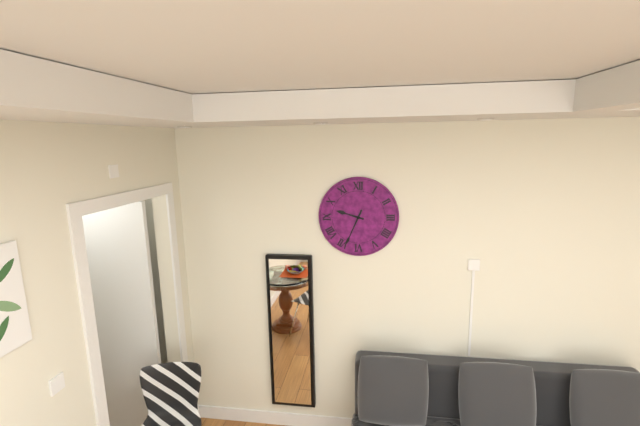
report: 9h34
